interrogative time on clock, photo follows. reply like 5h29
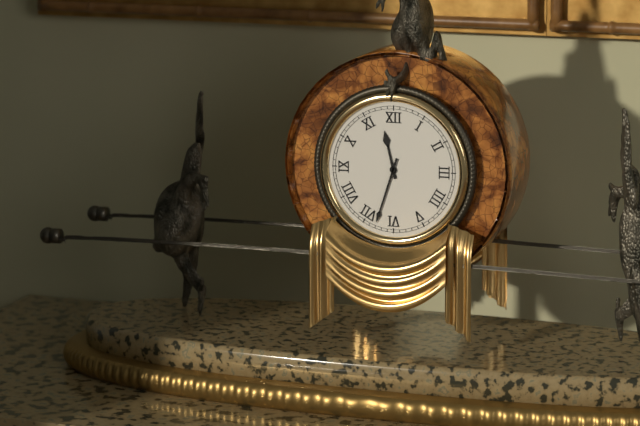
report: 11h33
